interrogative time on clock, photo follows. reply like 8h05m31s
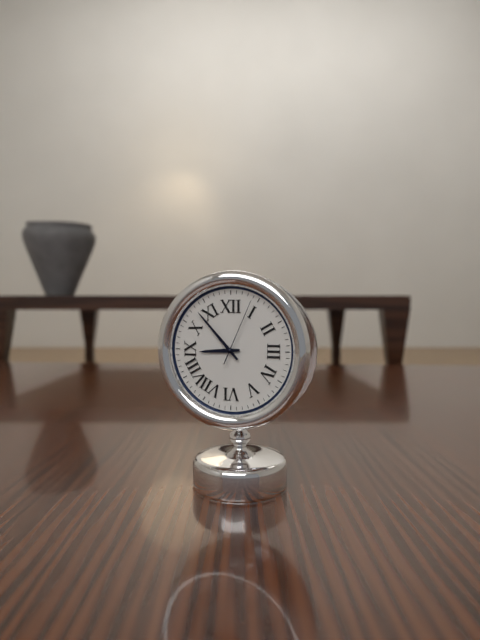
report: 8h53m04s
